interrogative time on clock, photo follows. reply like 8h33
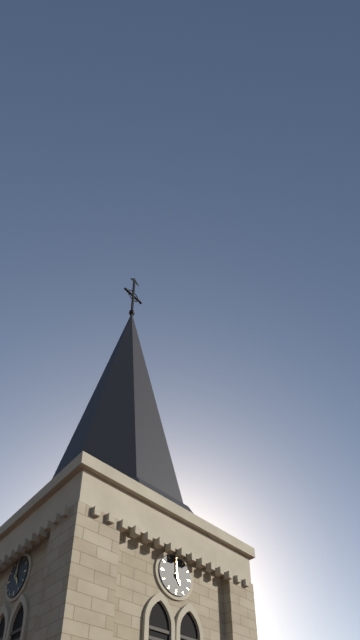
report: 5h00
